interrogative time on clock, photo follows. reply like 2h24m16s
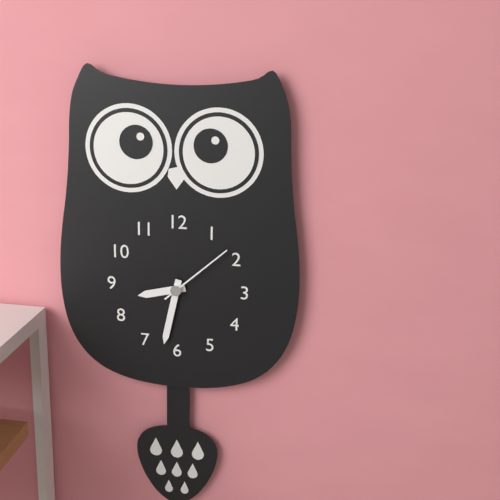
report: 8h32m08s
